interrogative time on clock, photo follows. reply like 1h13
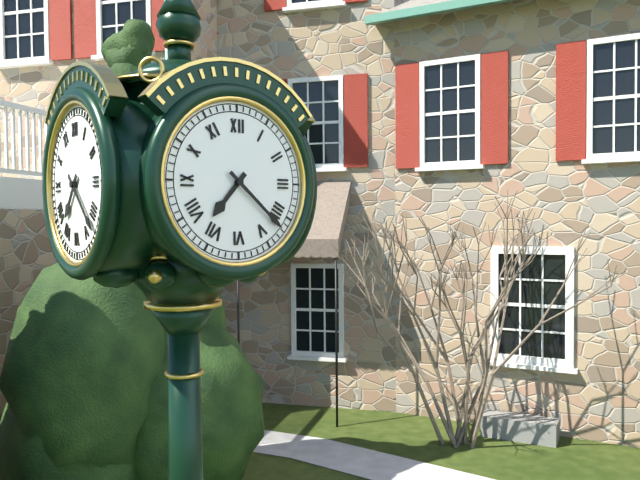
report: 7h22
